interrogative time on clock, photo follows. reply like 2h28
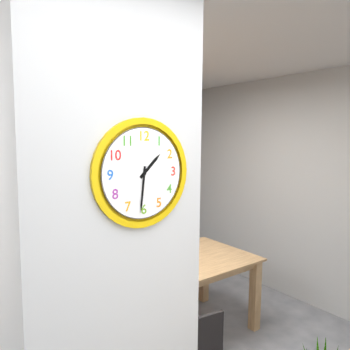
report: 1h31
